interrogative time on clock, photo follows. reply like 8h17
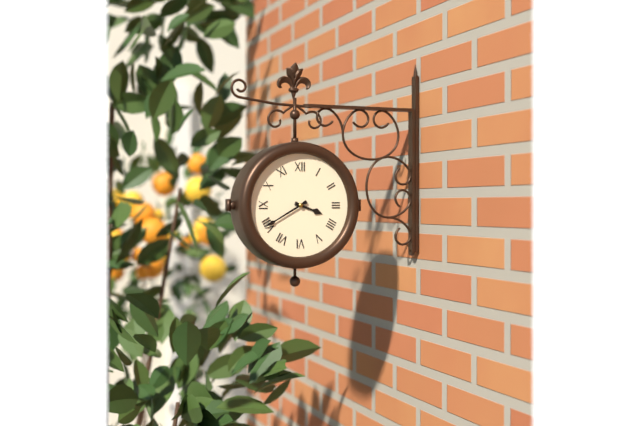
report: 3h40
